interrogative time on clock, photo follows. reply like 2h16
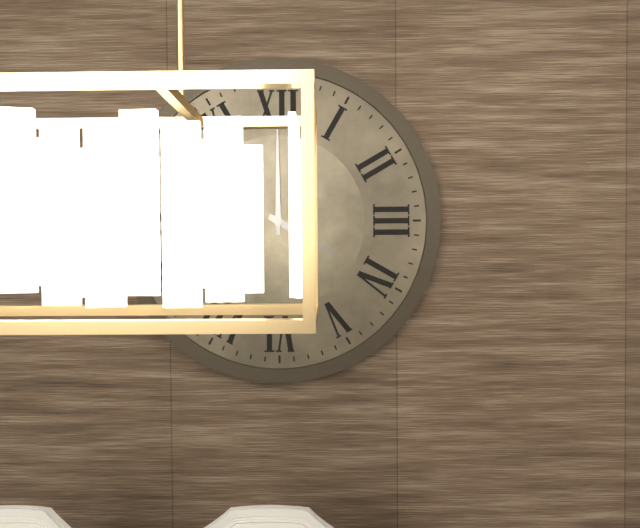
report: 4h00
